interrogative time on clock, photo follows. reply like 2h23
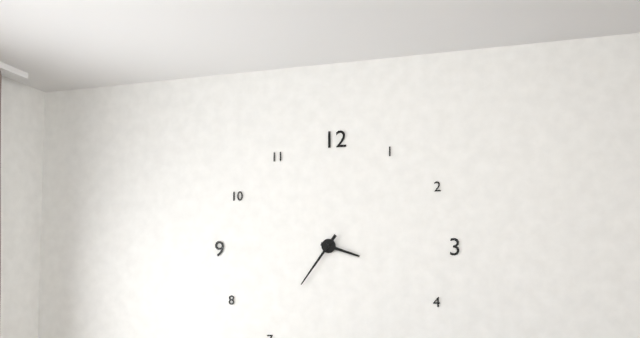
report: 3h36
